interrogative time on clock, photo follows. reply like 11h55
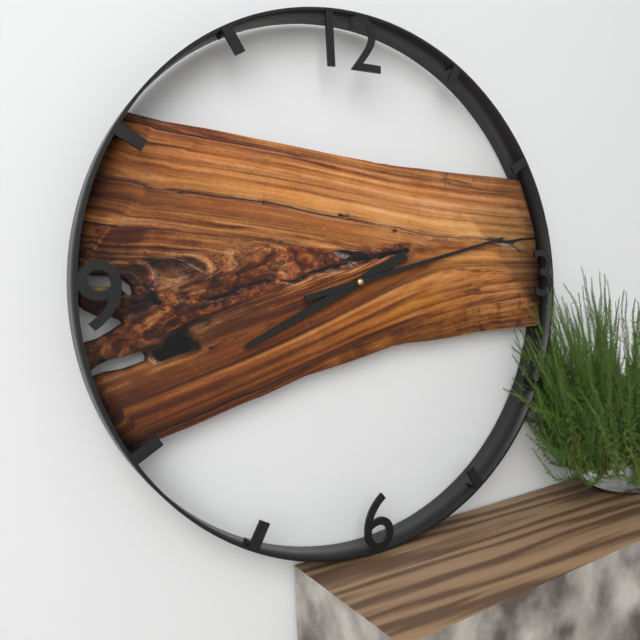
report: 8h13
